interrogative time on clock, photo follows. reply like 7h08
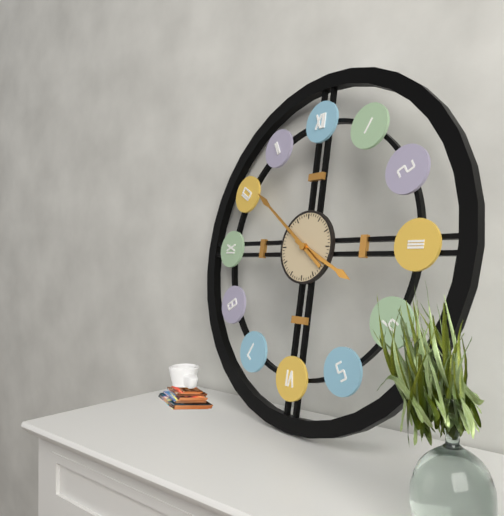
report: 3h51
